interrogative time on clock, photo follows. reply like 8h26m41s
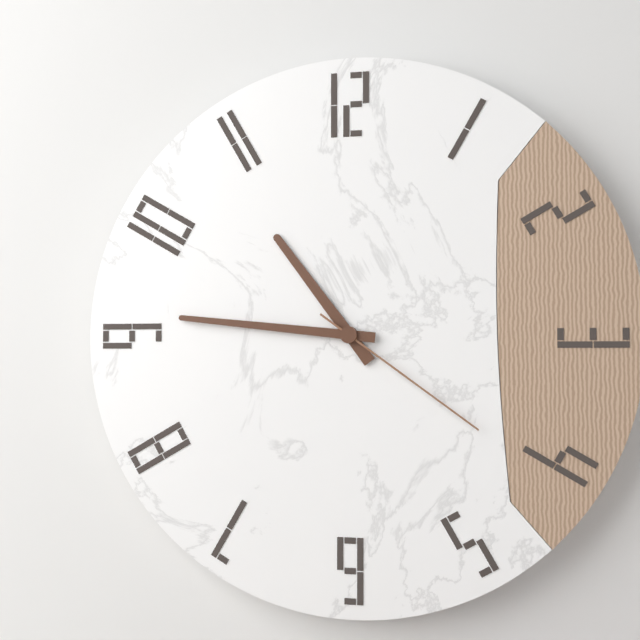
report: 10h46m21s
